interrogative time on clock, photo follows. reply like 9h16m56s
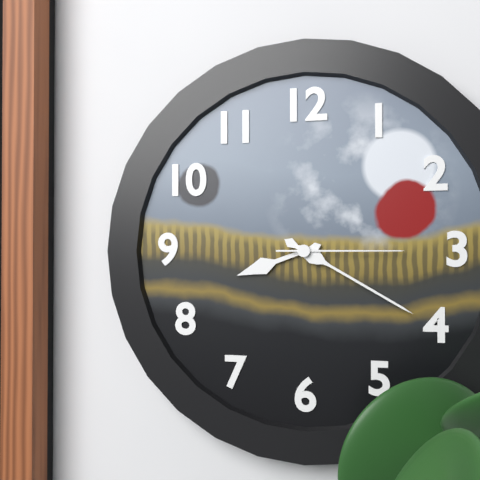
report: 8h20m15s
